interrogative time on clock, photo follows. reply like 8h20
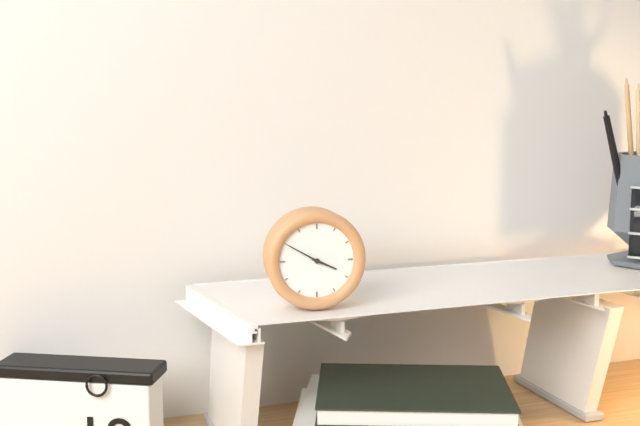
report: 3h50
